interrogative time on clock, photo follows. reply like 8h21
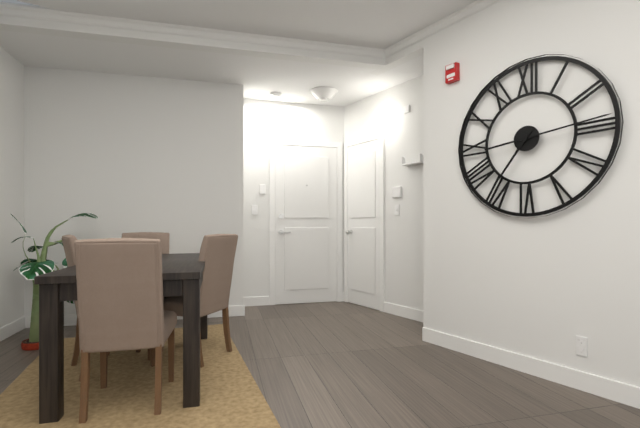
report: 7h14
